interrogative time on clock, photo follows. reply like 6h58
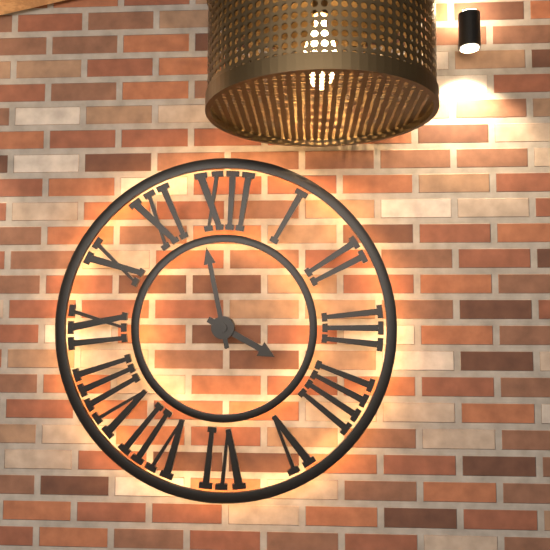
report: 3h58
